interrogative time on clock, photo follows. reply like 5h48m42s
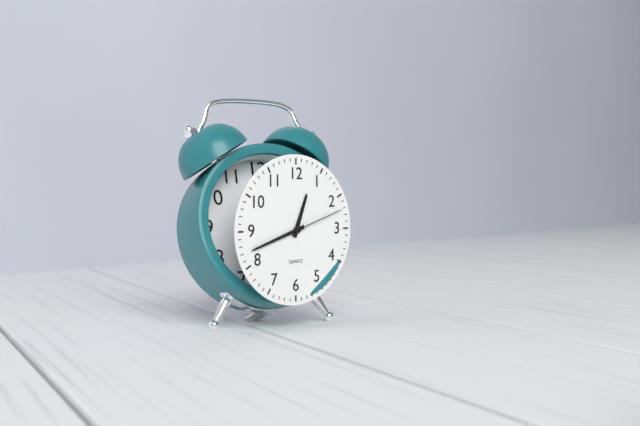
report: 12h42m12s
